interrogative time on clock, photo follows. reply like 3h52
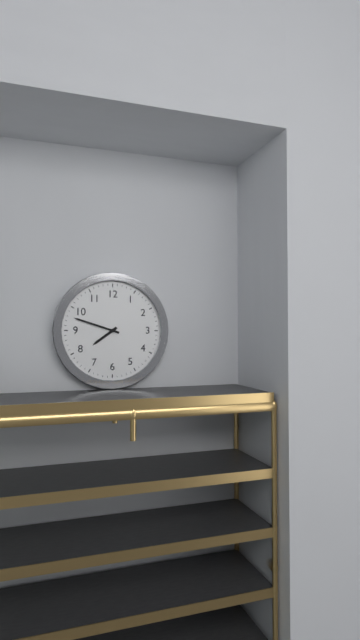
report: 7h48
